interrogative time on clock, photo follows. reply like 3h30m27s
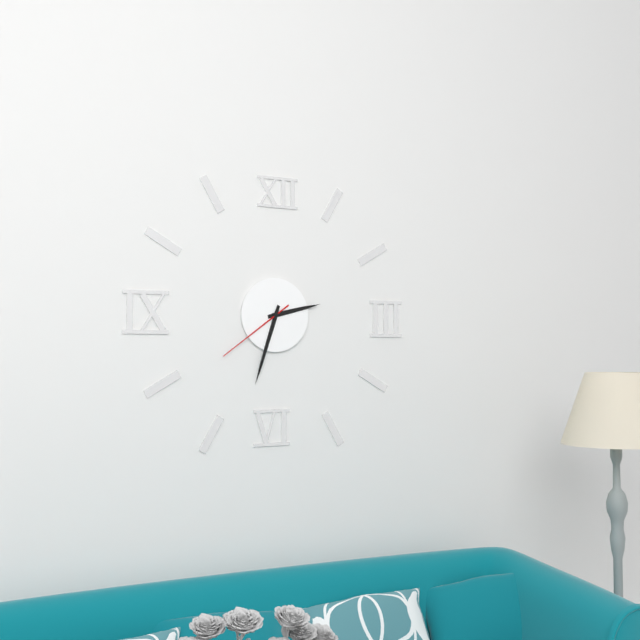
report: 2h33m39s
